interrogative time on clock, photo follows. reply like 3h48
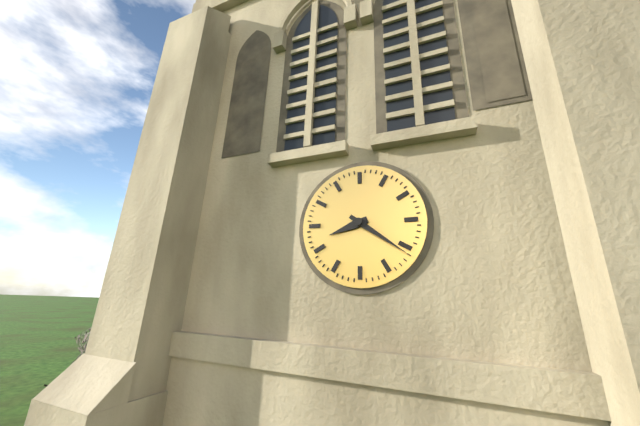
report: 8h21
